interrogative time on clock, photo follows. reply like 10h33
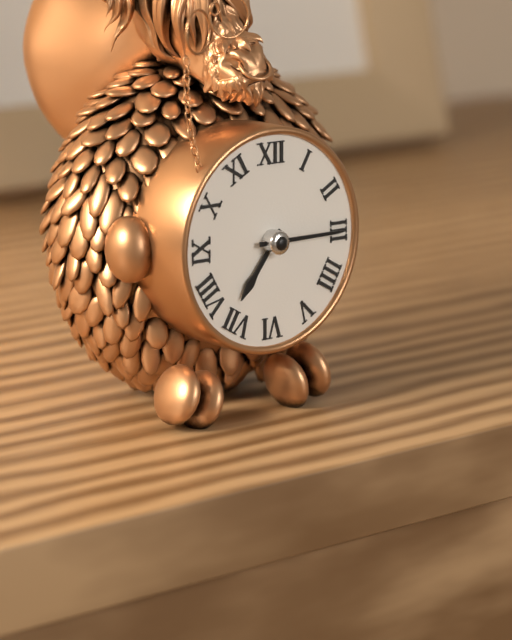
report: 7h15
